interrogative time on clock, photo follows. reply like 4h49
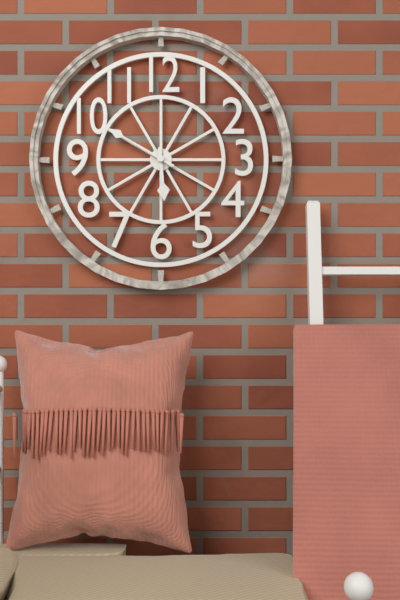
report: 5h50
